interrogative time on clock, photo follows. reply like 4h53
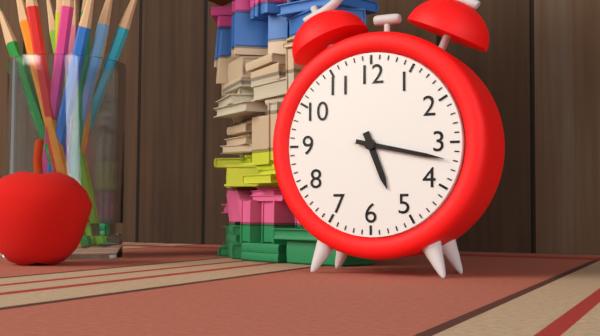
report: 5h17
